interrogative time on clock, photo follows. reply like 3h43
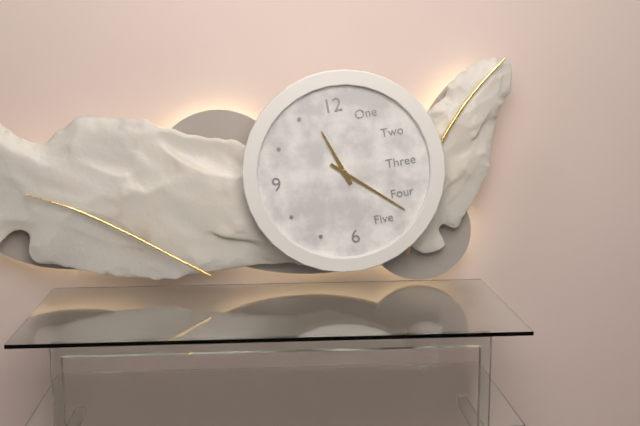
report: 11h22
